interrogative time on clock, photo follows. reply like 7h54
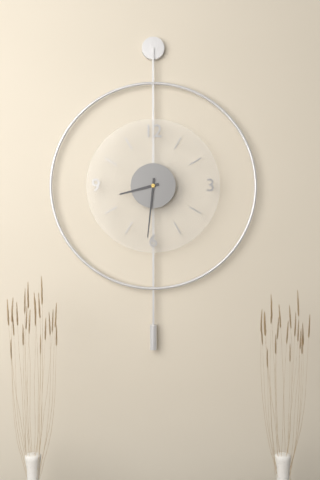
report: 8h31
